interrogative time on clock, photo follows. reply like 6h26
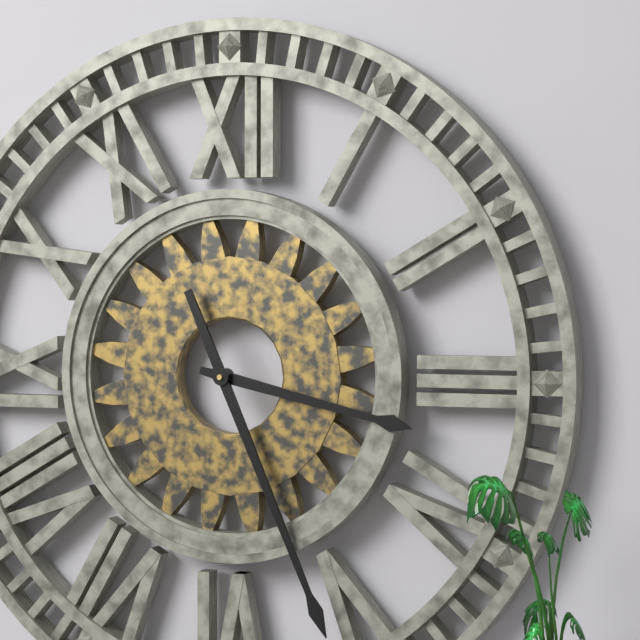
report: 3h26
